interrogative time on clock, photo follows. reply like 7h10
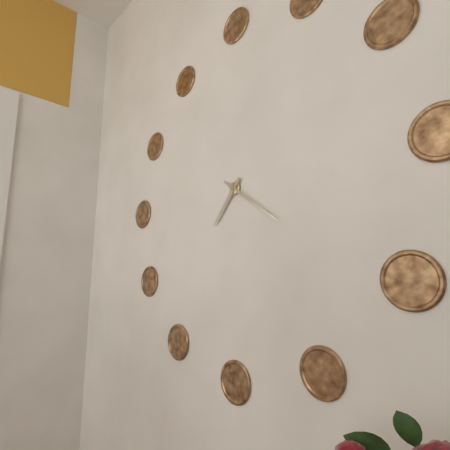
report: 7h21
